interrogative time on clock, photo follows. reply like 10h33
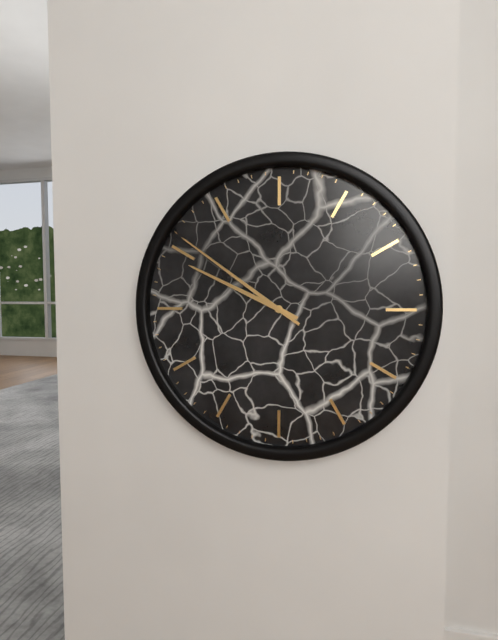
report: 9h51
